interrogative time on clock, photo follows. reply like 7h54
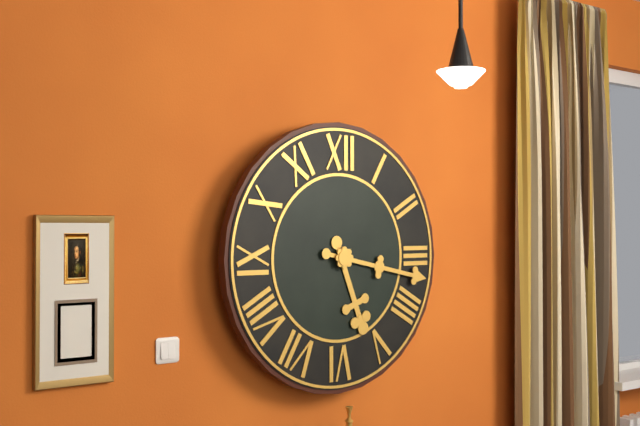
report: 5h17
